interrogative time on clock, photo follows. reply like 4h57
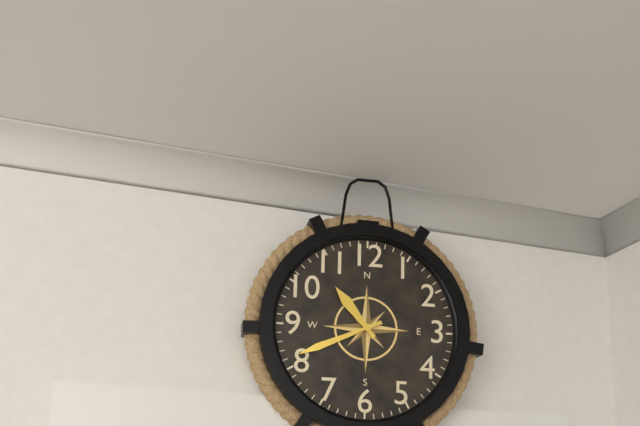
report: 10h41
